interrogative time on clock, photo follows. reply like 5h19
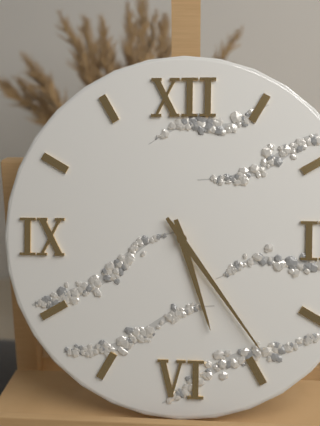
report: 5h24
